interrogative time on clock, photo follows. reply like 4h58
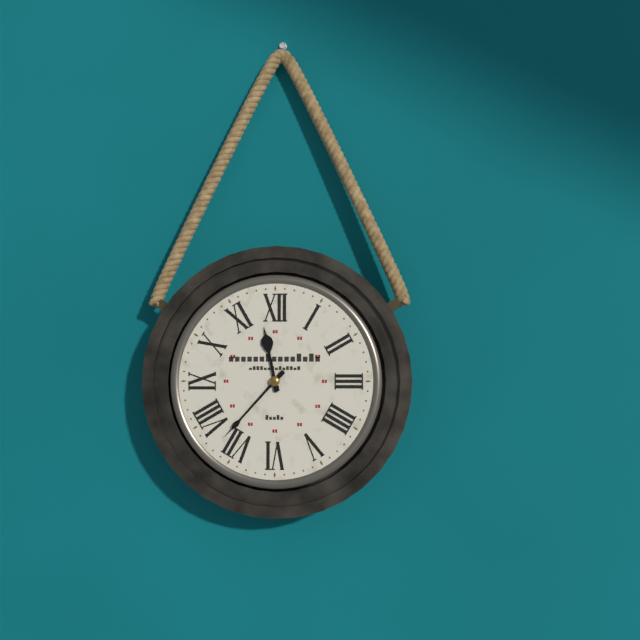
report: 11h37
